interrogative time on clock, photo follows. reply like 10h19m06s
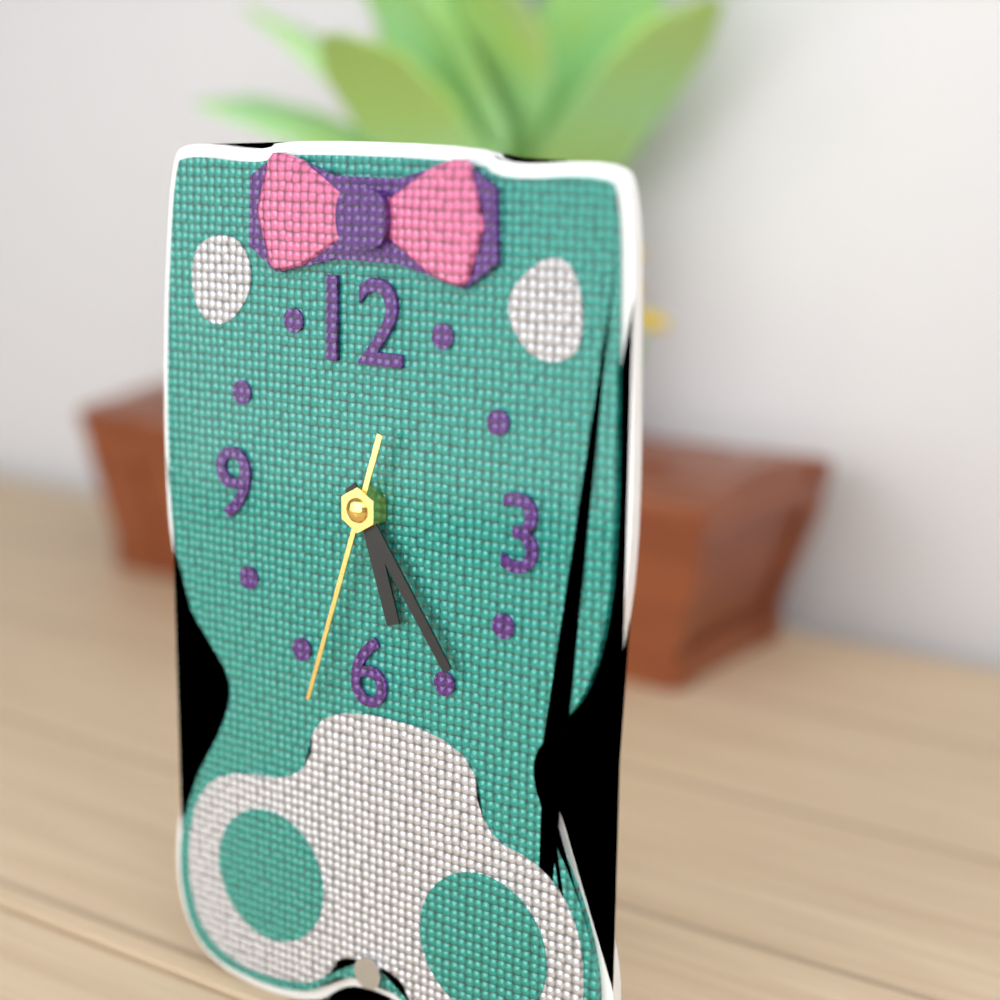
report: 5h24m33s
